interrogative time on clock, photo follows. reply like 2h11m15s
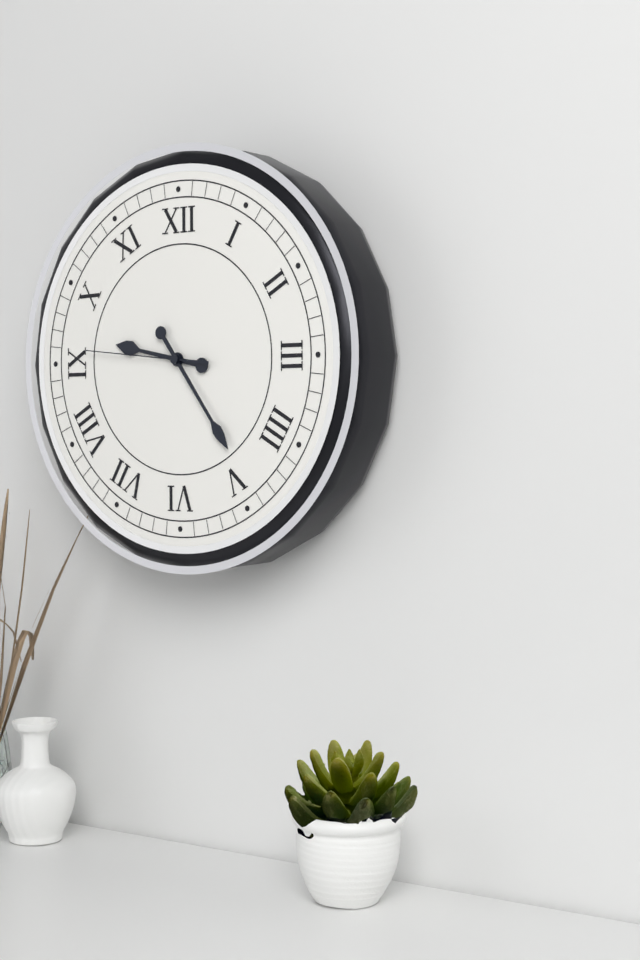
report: 9h24m46s
